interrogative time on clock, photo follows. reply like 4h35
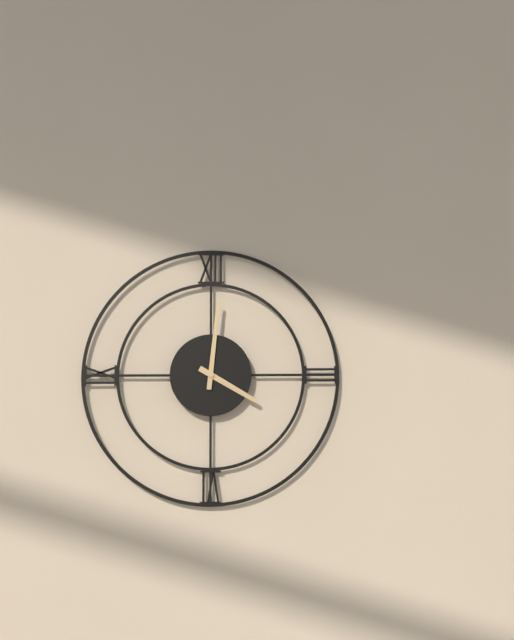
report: 4h01
